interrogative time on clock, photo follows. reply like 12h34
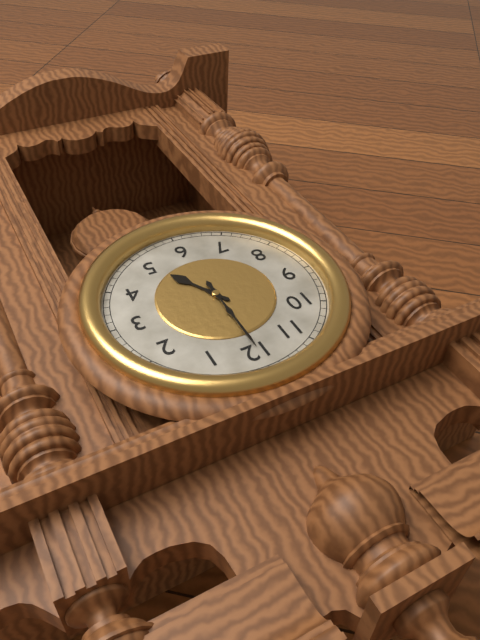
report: 5h00
